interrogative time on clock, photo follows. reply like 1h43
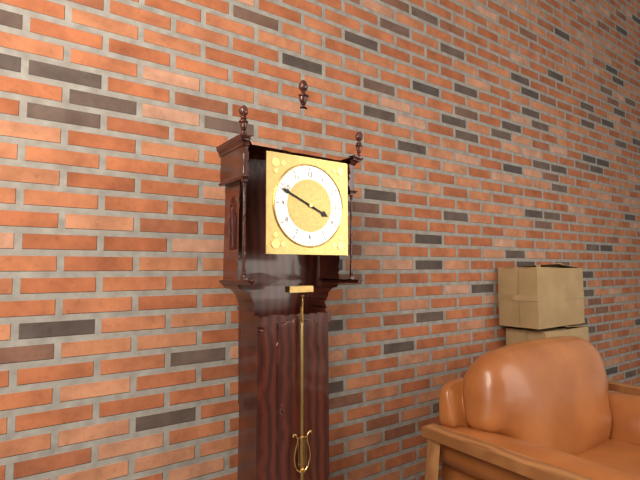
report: 3h49
